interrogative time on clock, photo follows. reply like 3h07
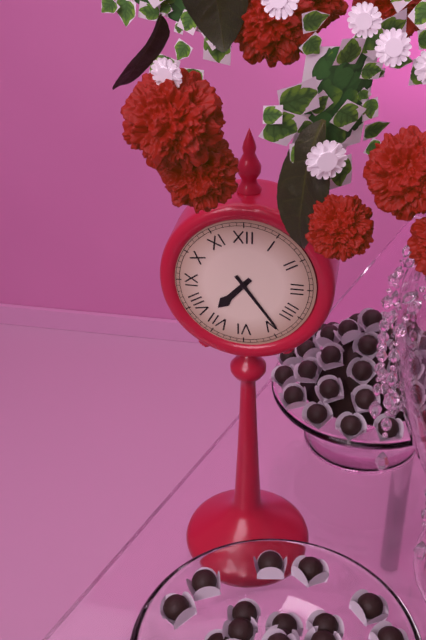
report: 7h24
